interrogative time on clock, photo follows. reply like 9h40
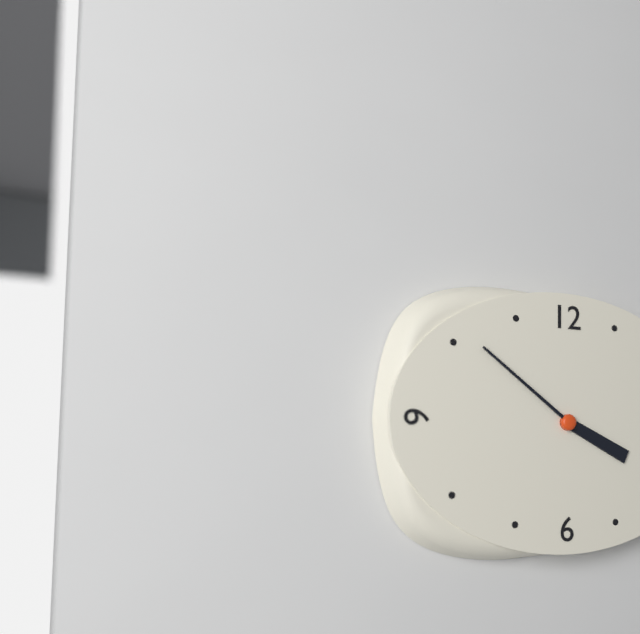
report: 3h51
